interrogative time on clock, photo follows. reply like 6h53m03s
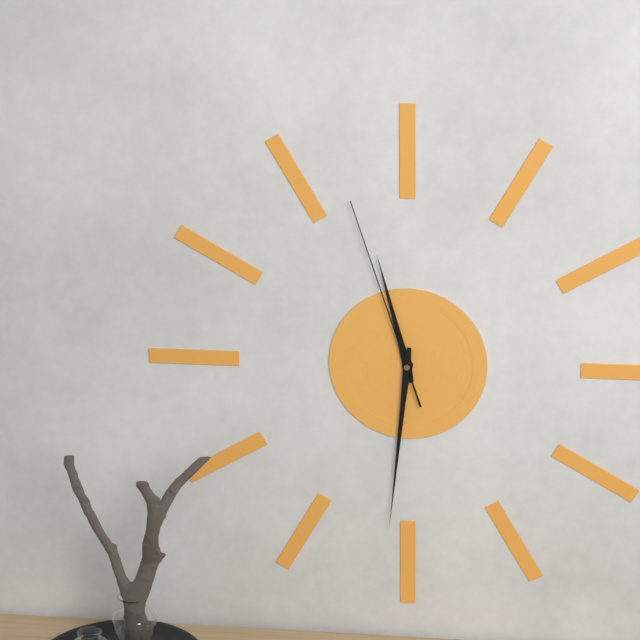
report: 11h31m57s
